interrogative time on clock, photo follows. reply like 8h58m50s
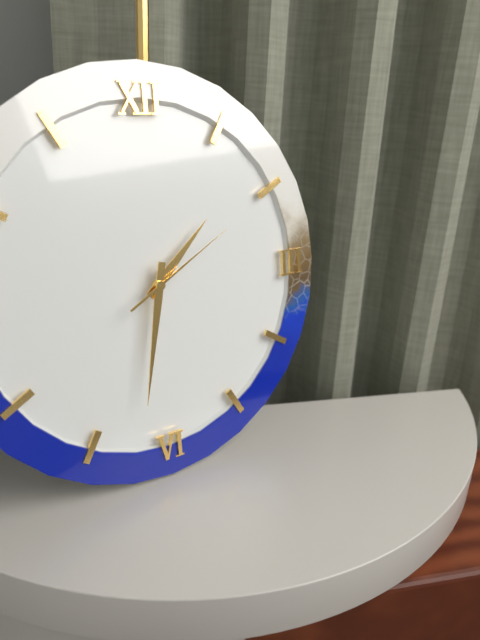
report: 1h32m10s
